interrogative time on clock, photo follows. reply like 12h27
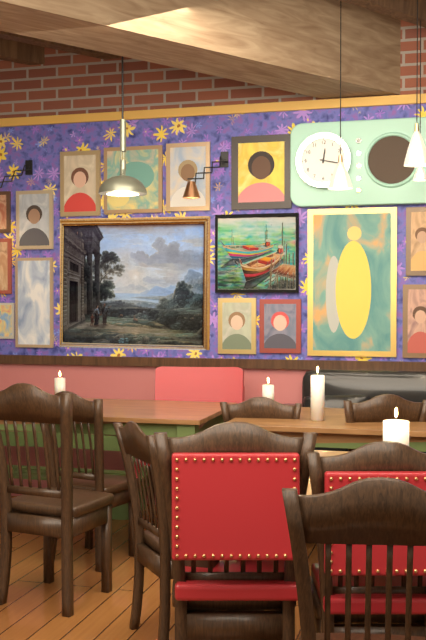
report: 12h17
